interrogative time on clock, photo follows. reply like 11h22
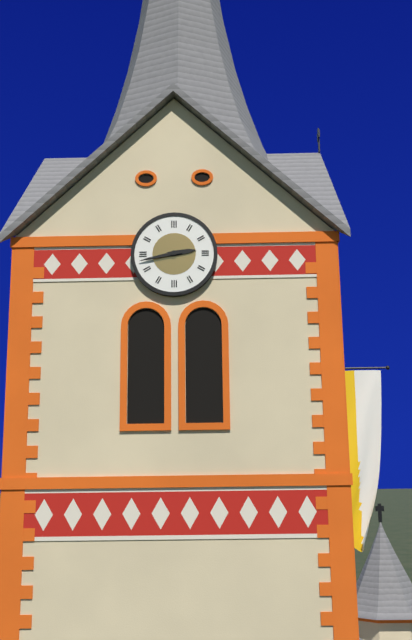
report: 2h43
